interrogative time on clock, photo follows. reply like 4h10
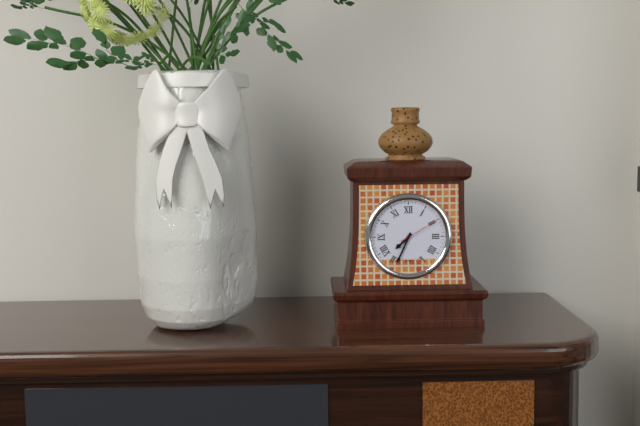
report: 7h34
